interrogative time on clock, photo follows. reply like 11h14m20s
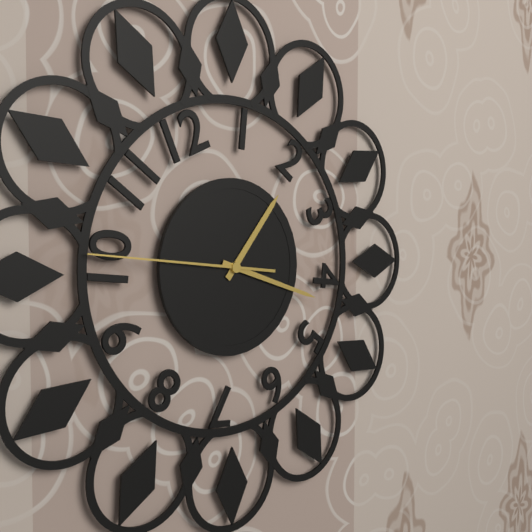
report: 1h18m46s
